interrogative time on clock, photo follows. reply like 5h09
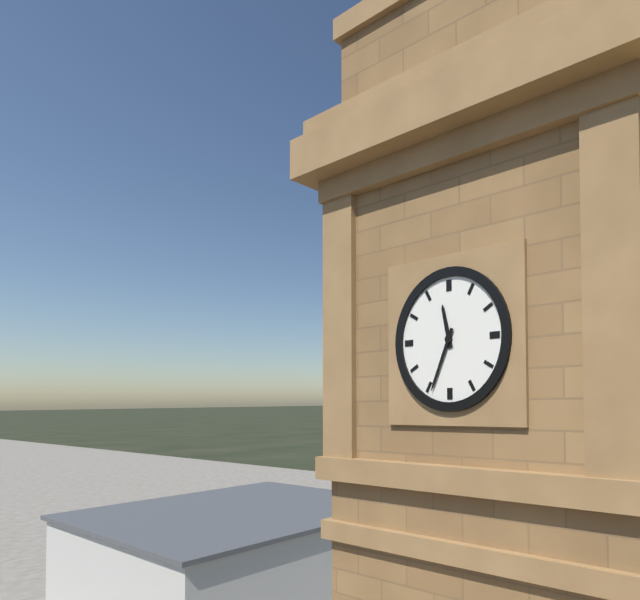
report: 11h34
